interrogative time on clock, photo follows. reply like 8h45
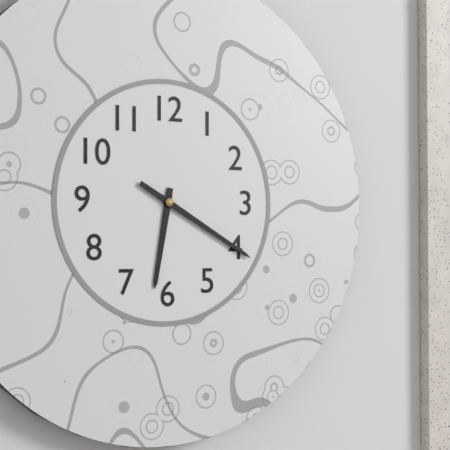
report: 6h20
